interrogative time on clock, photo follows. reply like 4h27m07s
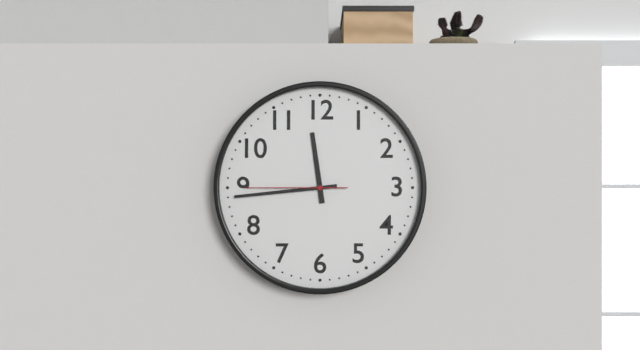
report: 11h44m45s
